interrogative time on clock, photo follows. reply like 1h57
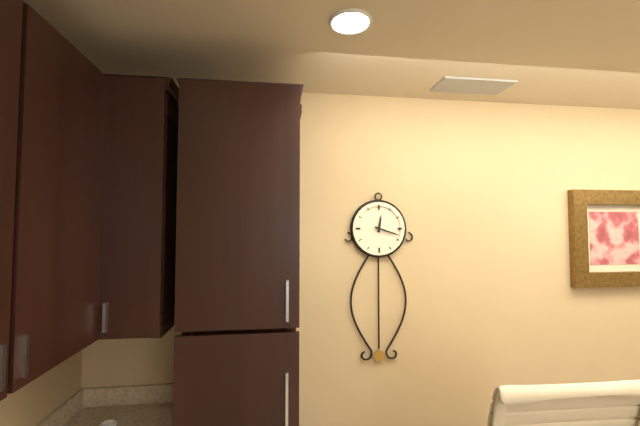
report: 12h18
